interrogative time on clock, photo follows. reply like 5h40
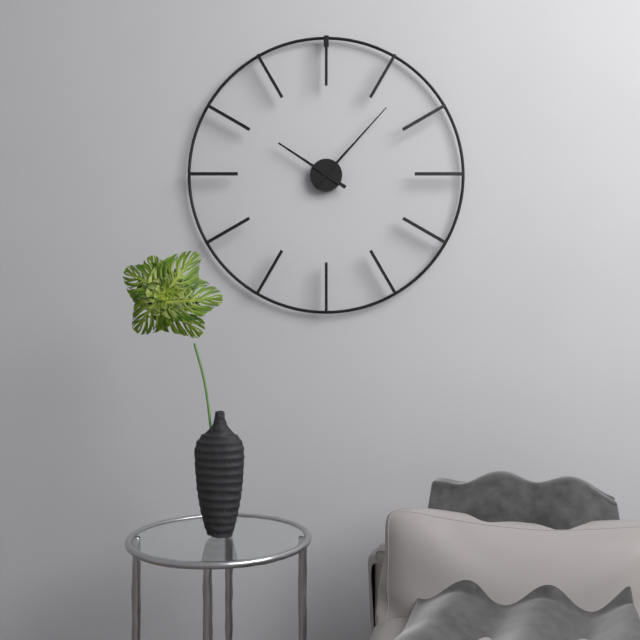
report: 10h07
